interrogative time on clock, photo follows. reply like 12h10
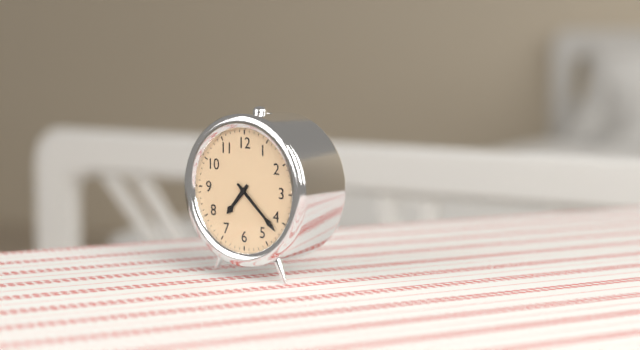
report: 7h22
